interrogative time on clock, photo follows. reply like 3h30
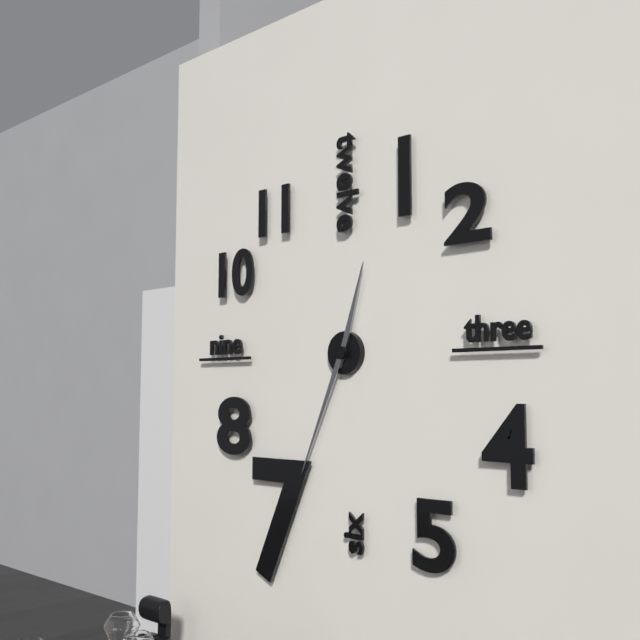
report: 12h34
